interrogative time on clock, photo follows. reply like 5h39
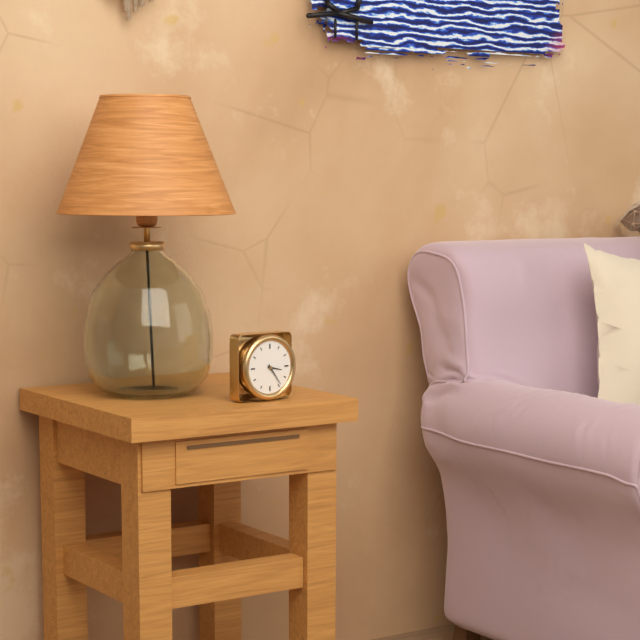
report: 3h24
